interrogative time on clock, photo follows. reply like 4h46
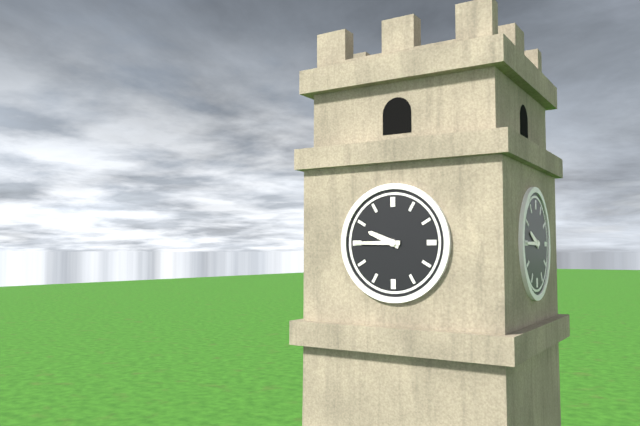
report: 9h45
